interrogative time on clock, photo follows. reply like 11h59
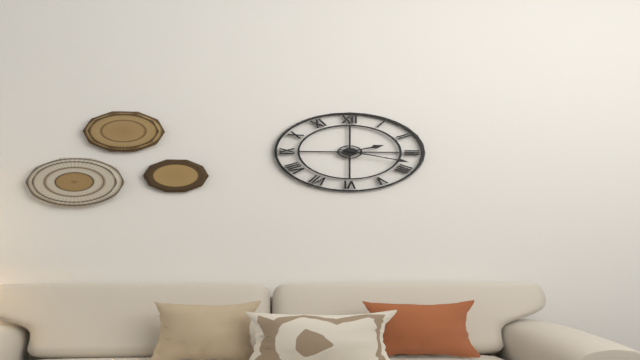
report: 2h18
